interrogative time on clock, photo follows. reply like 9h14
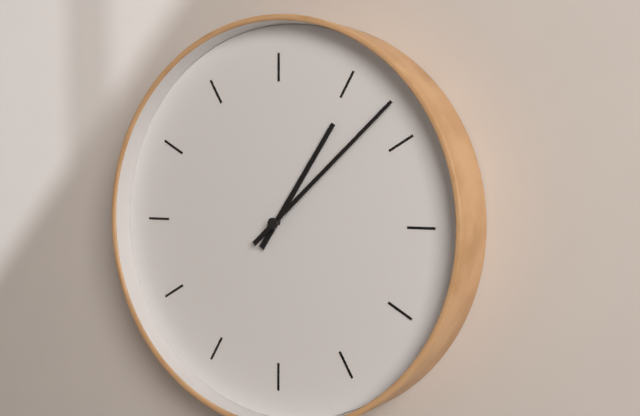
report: 1h08
